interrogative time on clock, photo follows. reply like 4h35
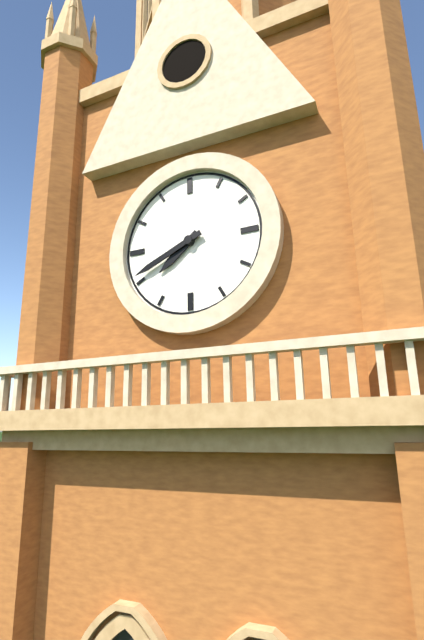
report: 7h41
